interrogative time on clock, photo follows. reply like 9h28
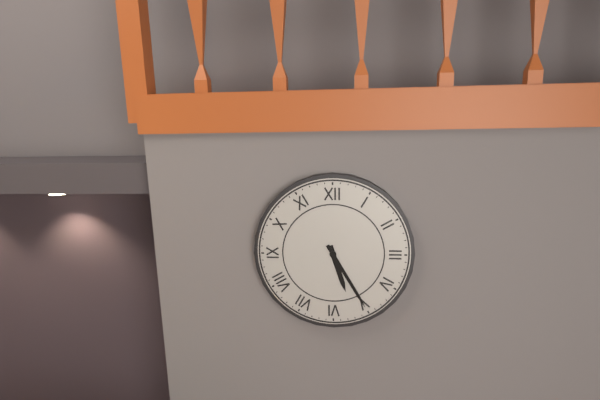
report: 5h25
